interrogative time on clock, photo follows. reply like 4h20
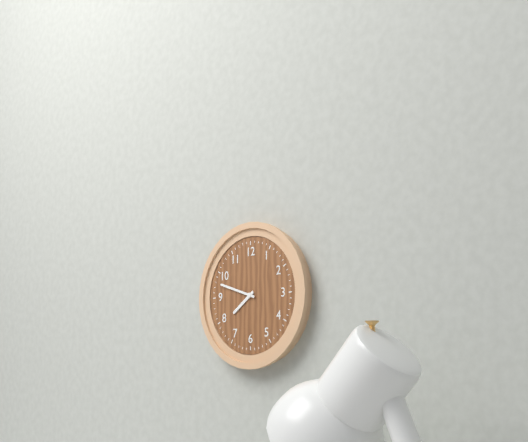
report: 7h48
